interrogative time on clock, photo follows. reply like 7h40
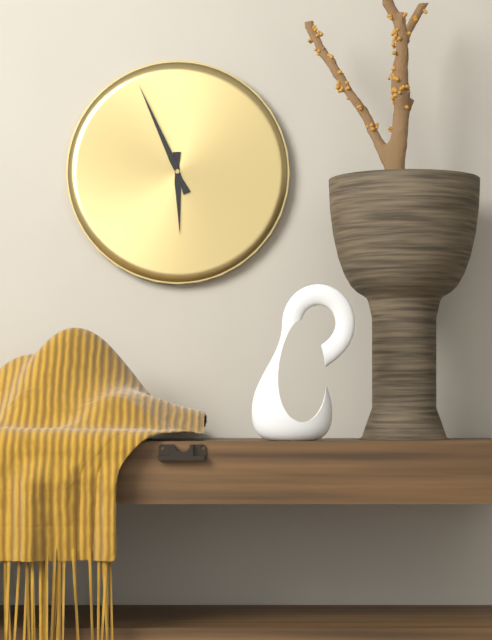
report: 5h56
